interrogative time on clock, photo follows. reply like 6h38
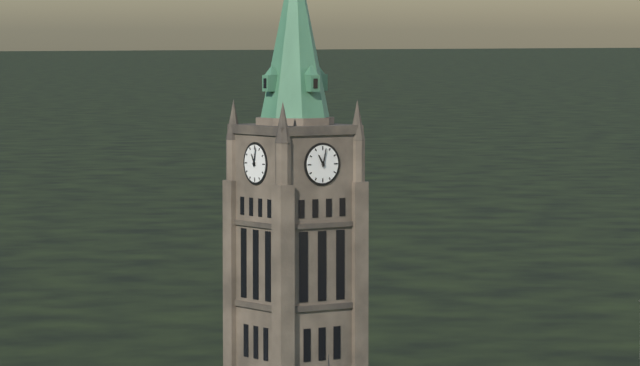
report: 11h02
